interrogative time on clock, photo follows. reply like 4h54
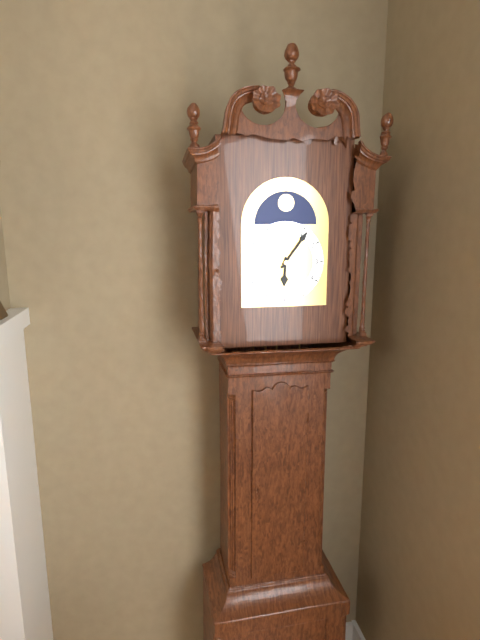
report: 6h06
